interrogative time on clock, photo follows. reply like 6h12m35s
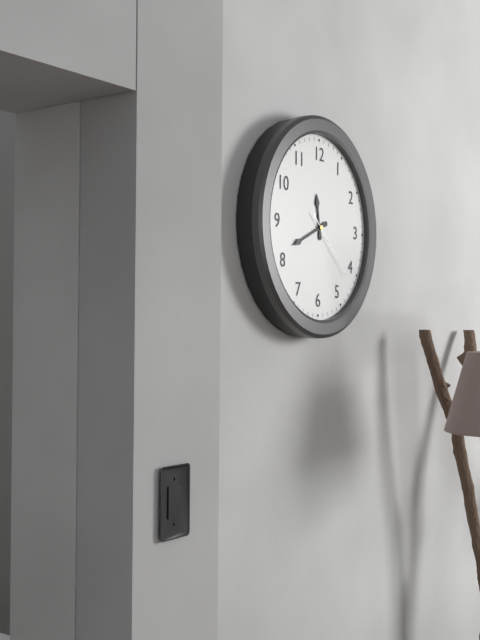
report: 11h41m22s
